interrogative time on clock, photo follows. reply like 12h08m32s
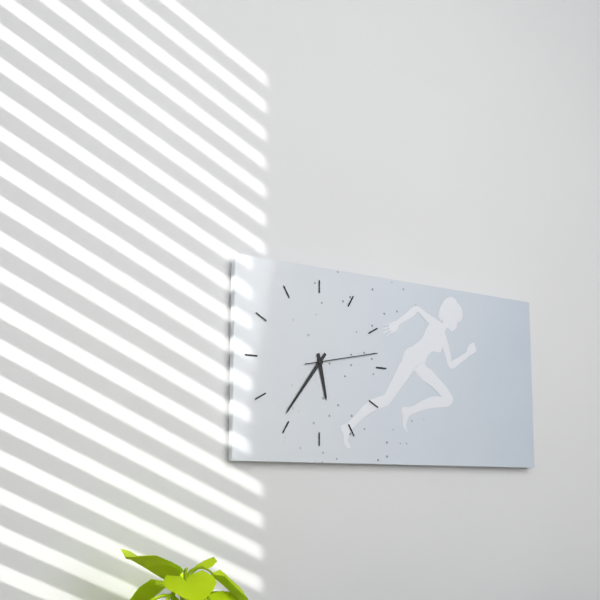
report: 5h36m13s
